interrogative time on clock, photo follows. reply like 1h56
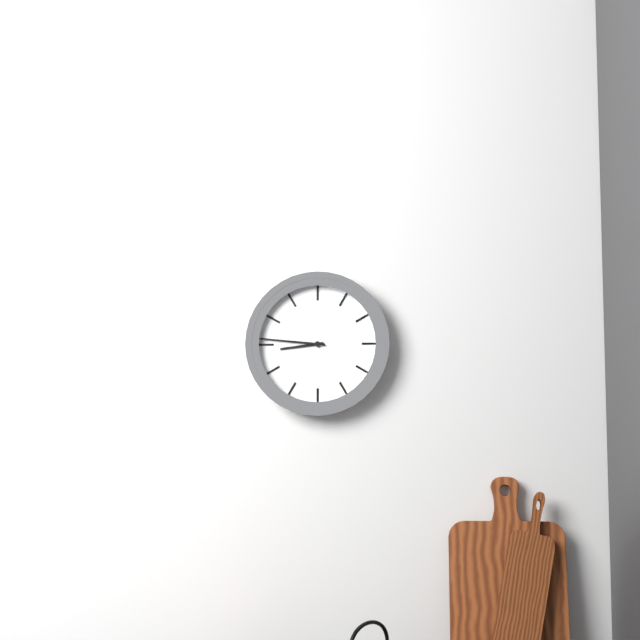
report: 8h46
